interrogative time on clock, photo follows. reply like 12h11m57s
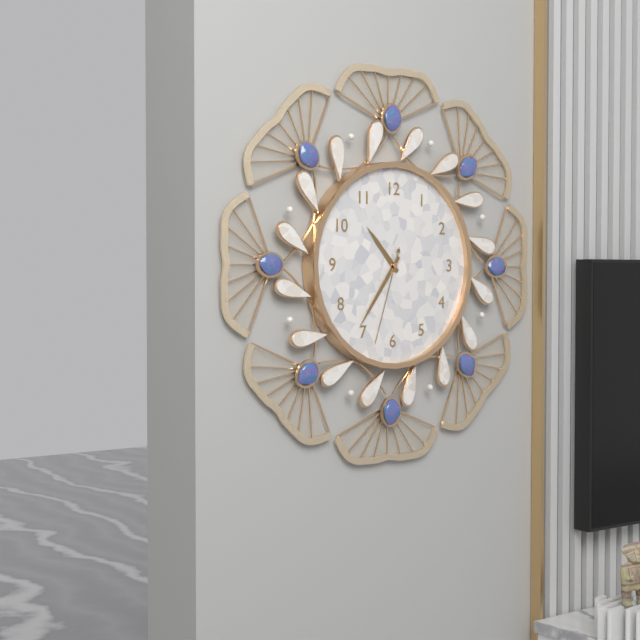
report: 10h36m33s
